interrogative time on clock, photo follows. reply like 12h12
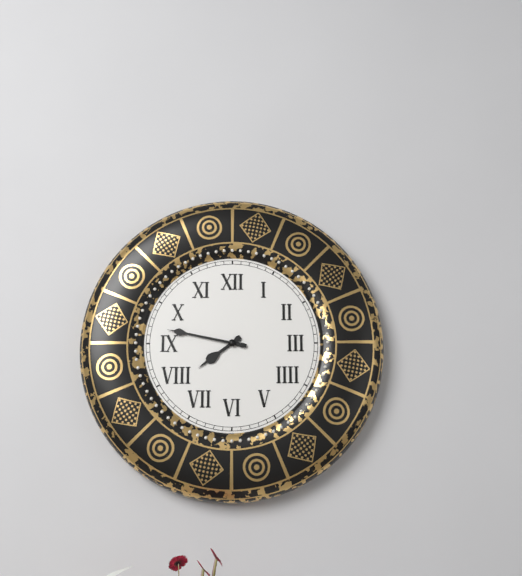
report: 7h47
